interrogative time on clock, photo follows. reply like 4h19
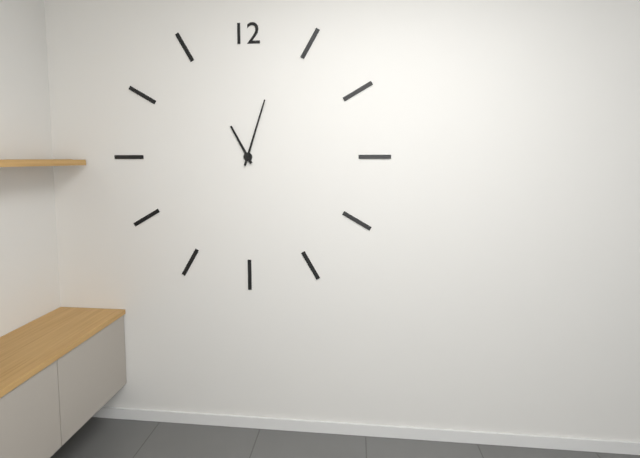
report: 11h03
